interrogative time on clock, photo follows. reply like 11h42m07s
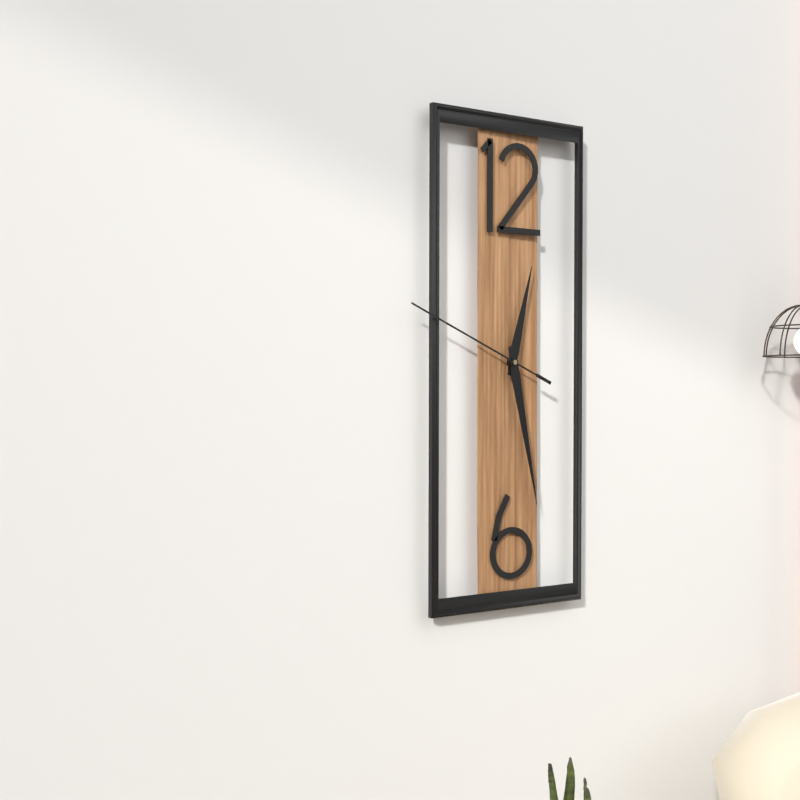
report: 12h28m49s
